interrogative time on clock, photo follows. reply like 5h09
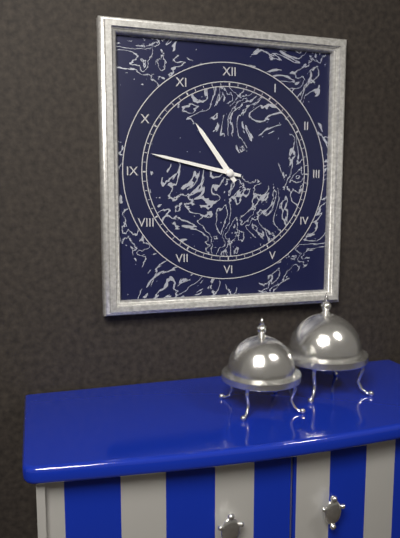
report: 10h47
